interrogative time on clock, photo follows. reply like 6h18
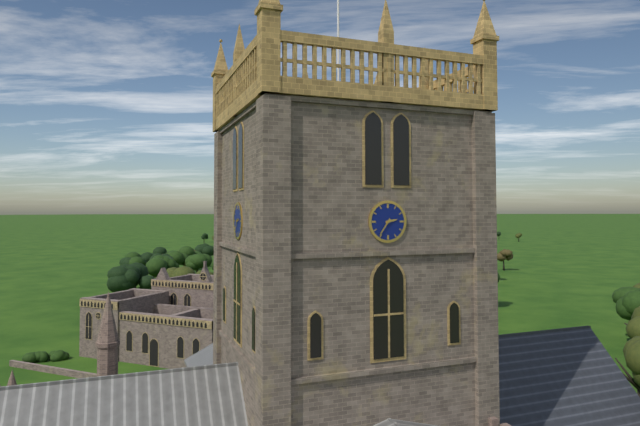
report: 2h36
